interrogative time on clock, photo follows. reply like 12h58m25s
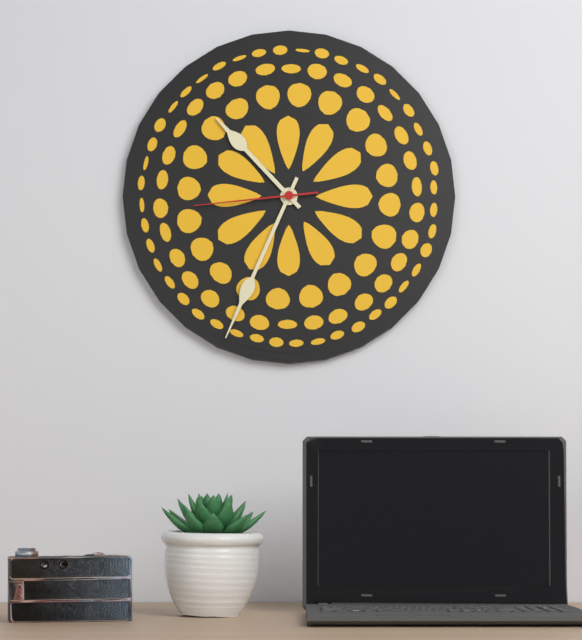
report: 10h34m44s
